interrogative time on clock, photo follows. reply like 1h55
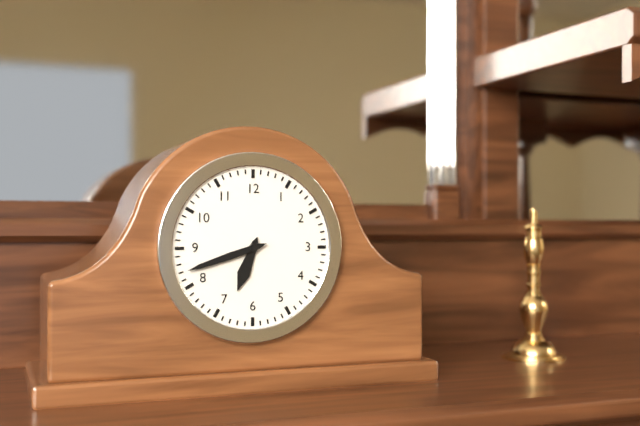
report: 6h42
